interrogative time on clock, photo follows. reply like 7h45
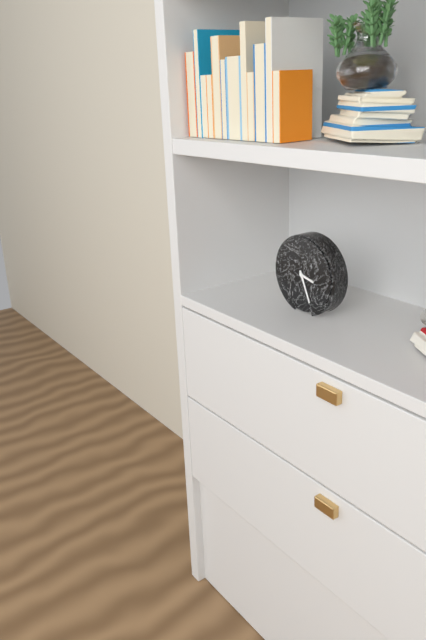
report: 3h26
